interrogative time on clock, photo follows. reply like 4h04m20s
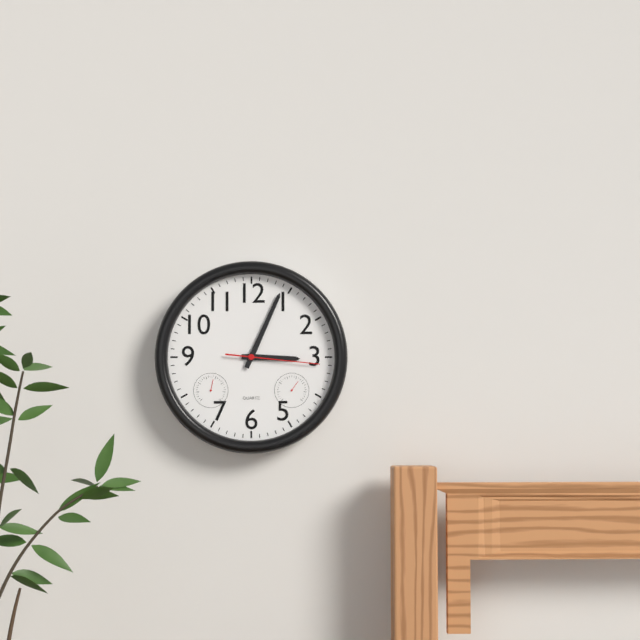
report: 3h04m16s
